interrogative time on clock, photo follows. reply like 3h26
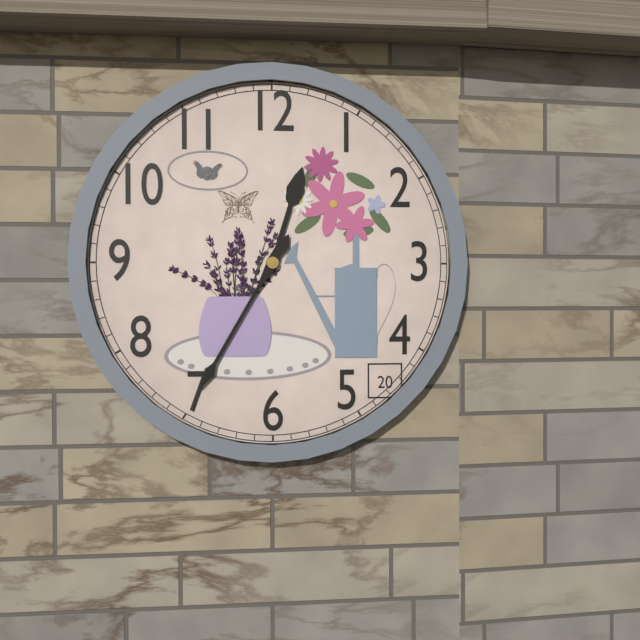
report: 12h35
